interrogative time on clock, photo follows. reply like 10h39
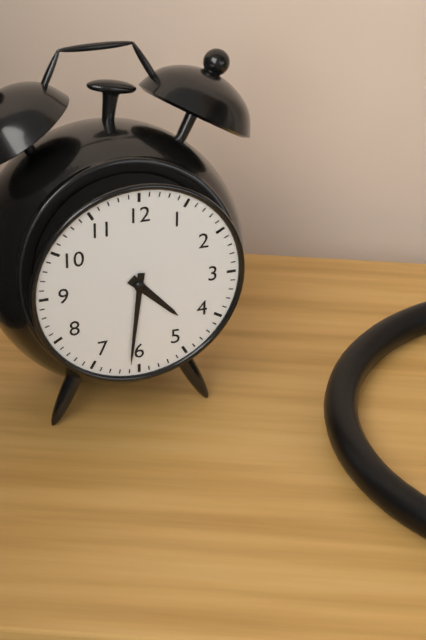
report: 4h31
